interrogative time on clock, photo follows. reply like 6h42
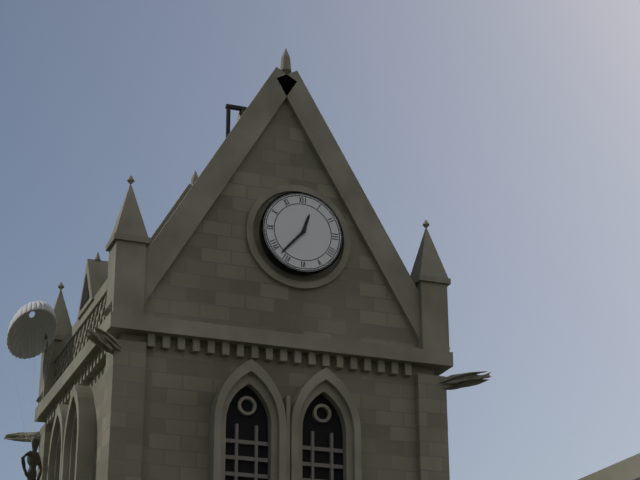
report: 12h37
